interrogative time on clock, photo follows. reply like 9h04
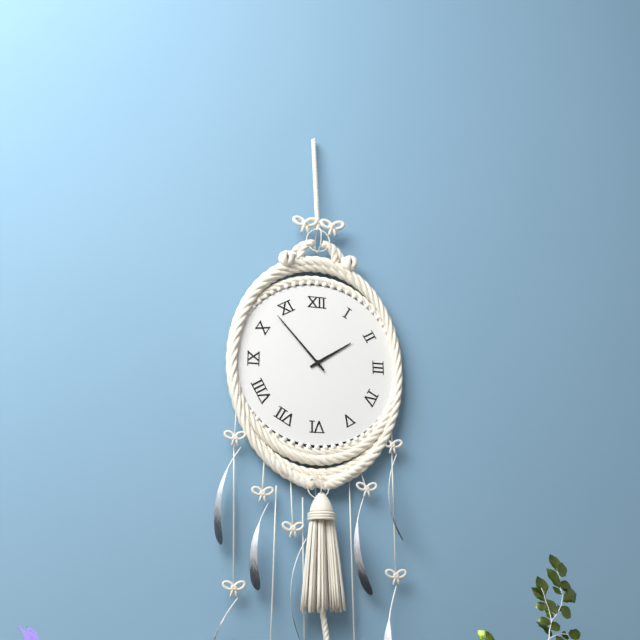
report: 1h53
